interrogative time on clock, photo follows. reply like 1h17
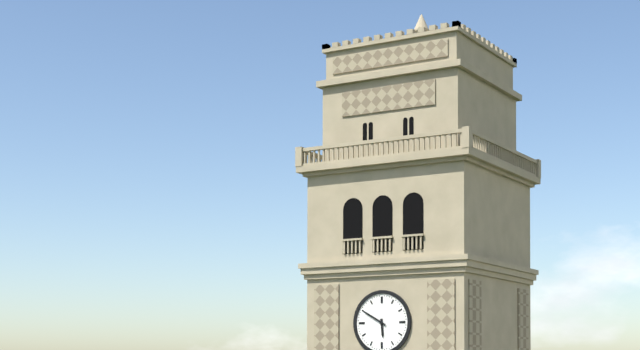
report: 5h50
